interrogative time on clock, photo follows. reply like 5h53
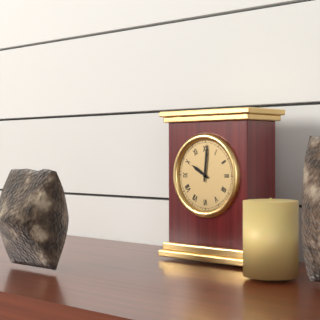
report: 10h01
